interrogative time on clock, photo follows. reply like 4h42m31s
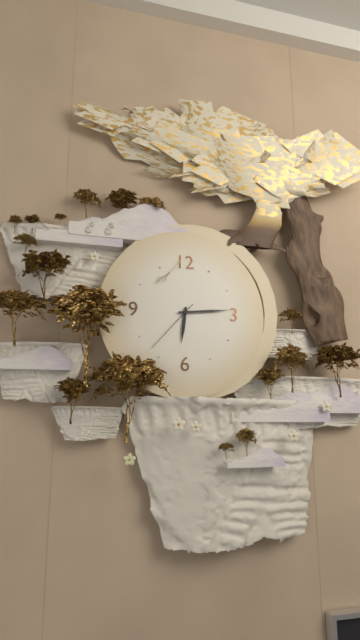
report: 6h14m37s
